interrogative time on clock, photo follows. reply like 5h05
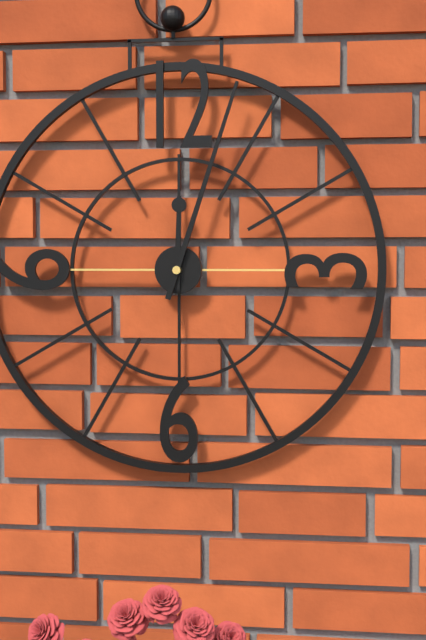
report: 12h03
